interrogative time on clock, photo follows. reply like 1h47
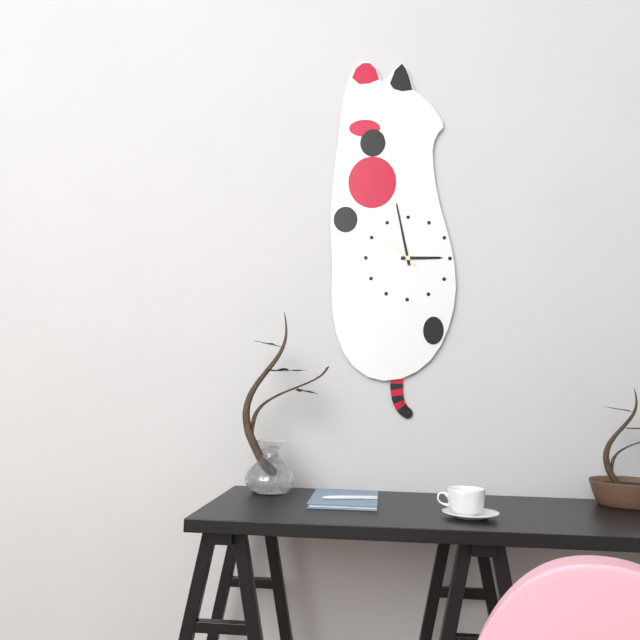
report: 2h58
